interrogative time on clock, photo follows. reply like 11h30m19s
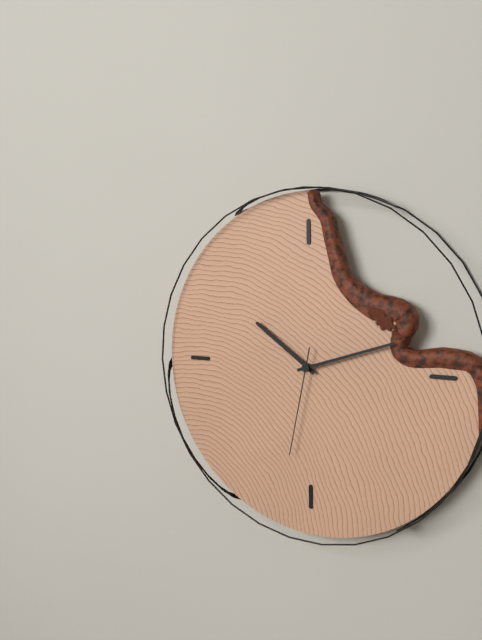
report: 10h12m32s
